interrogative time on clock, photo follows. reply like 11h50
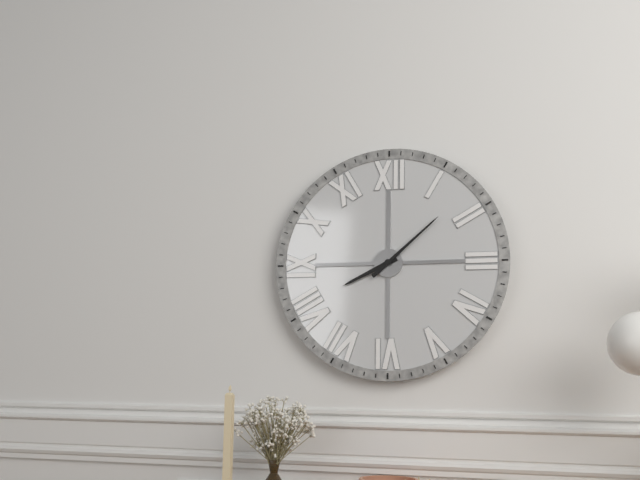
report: 8h08
